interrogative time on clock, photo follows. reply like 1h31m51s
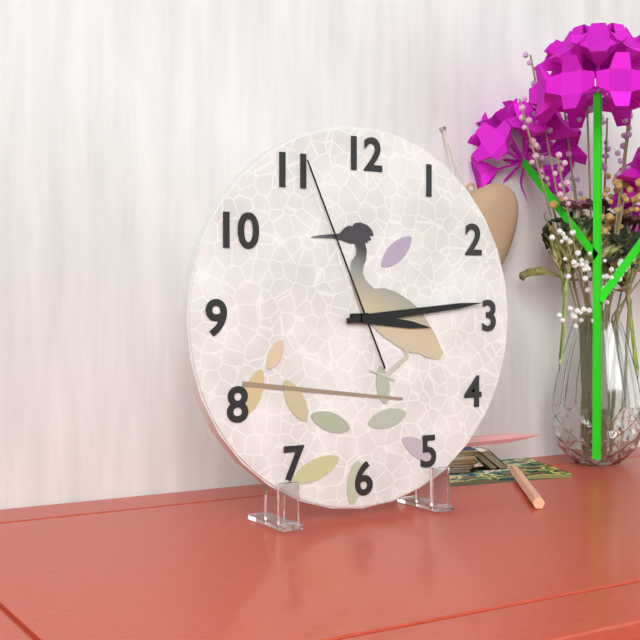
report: 3h14m56s
